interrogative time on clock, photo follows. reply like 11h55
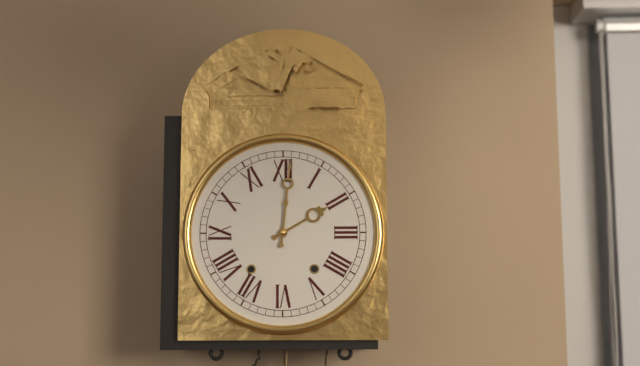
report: 2h01
